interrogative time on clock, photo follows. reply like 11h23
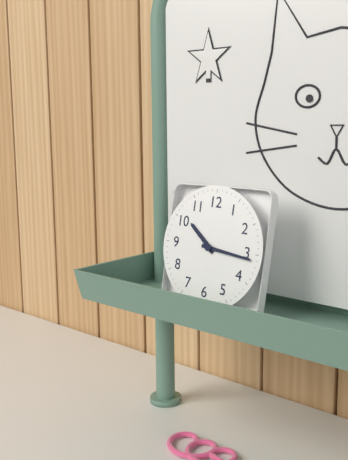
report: 10h16
